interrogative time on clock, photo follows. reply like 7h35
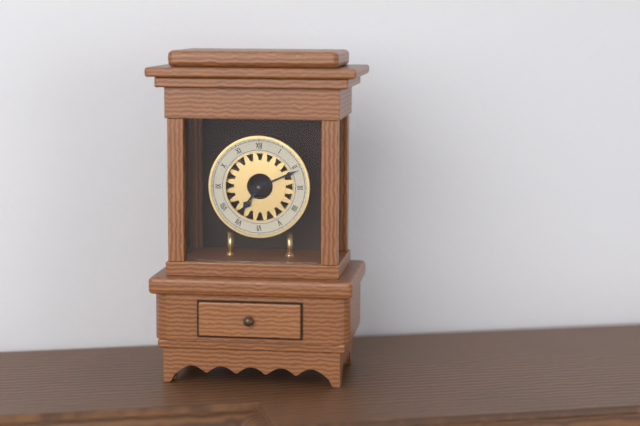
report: 7h11
